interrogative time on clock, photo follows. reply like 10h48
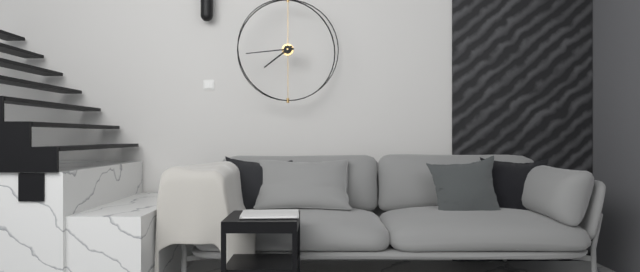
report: 7h44
